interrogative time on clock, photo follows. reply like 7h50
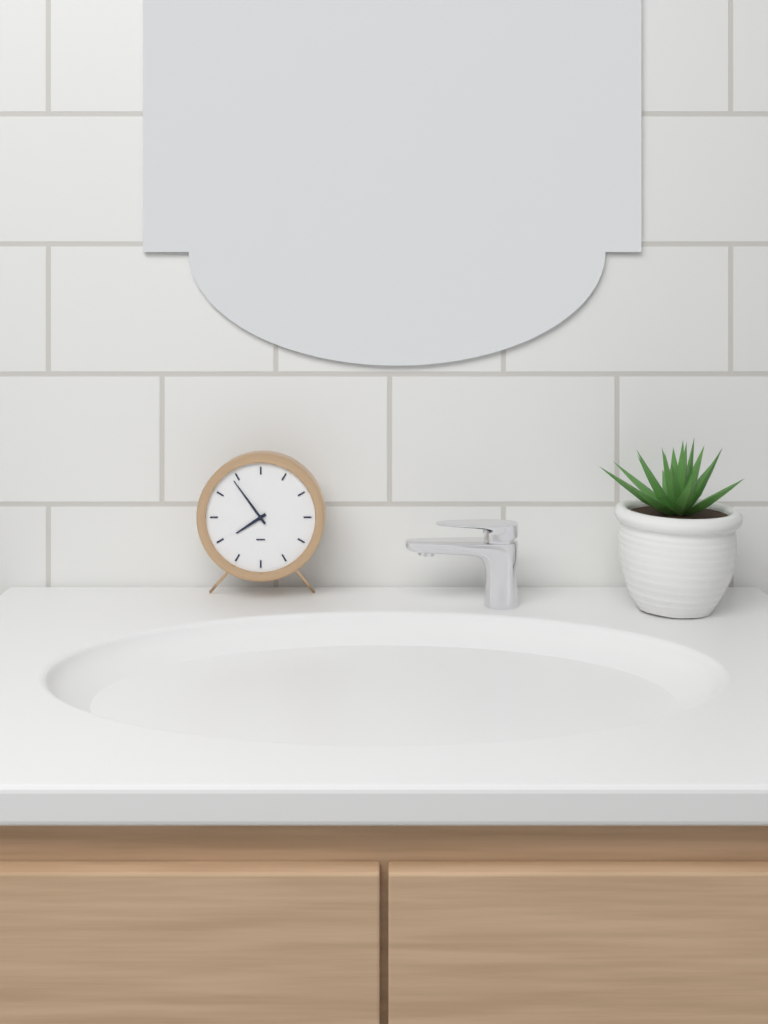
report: 7h54
